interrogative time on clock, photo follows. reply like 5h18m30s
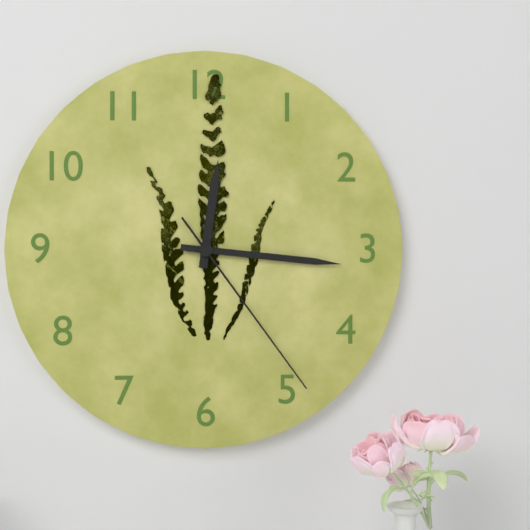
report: 12h16m24s
